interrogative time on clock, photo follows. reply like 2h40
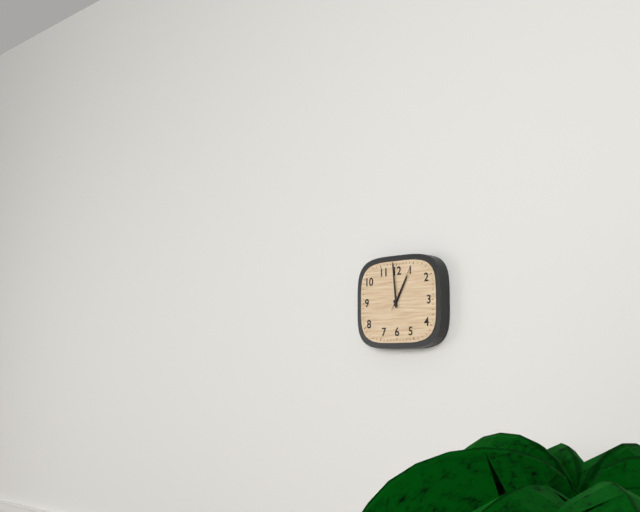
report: 12h59
